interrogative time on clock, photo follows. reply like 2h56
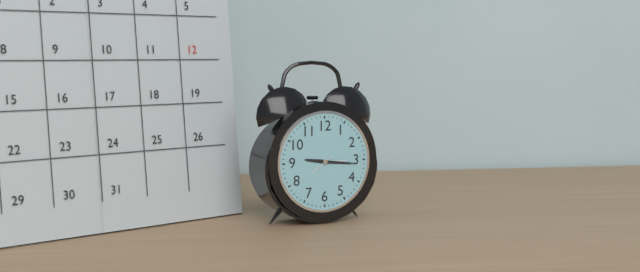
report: 9h16
